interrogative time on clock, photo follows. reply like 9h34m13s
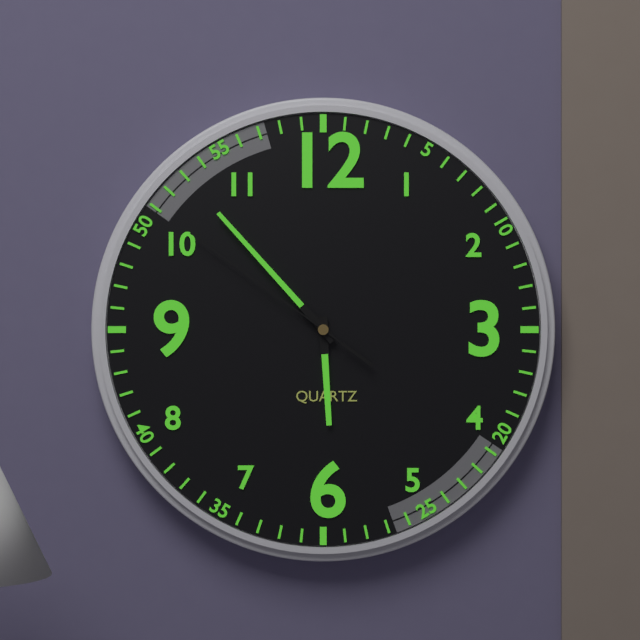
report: 5h53m51s
